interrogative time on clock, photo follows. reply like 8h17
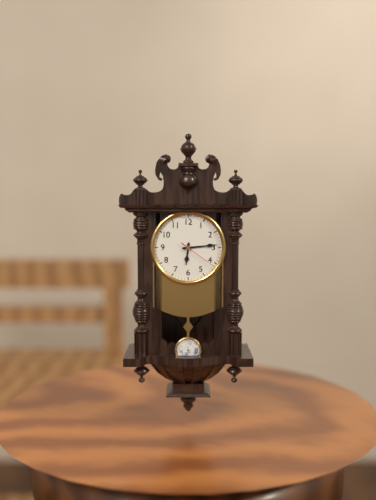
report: 6h14
